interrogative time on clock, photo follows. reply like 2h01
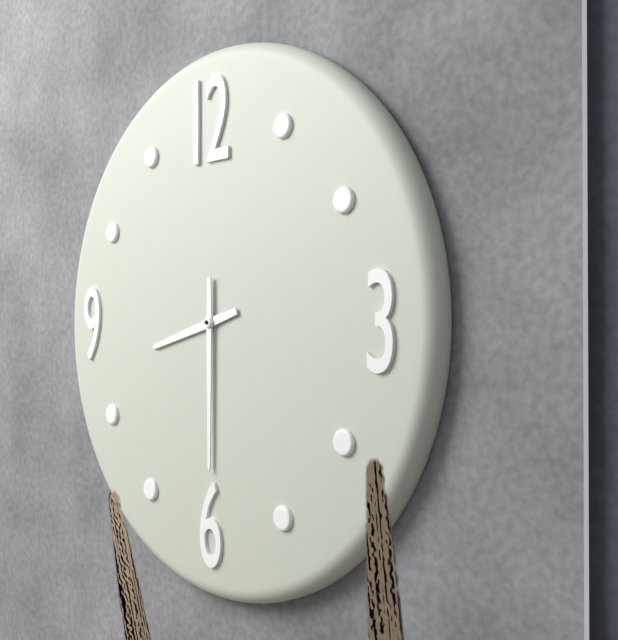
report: 8h30
